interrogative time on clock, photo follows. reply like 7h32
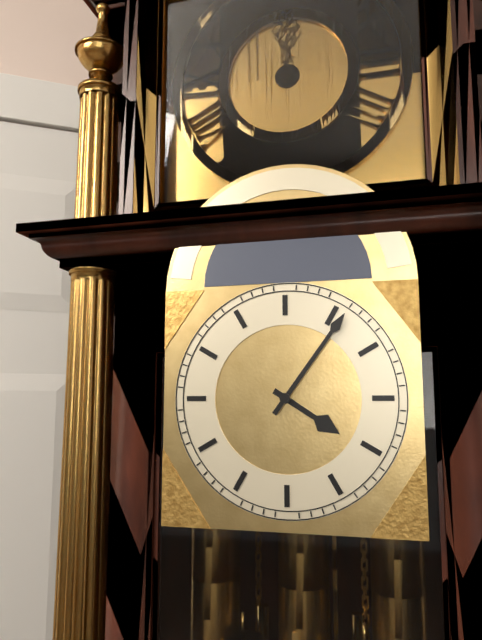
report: 4h06
